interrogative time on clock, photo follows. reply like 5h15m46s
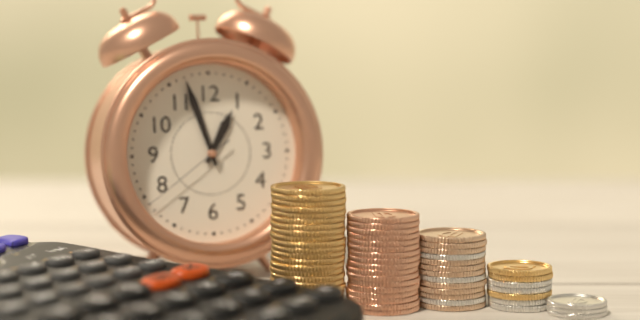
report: 12h57m39s
